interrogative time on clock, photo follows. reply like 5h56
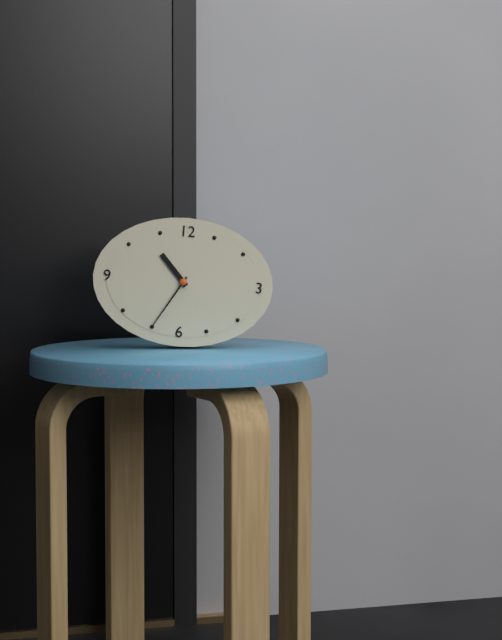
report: 10h35
